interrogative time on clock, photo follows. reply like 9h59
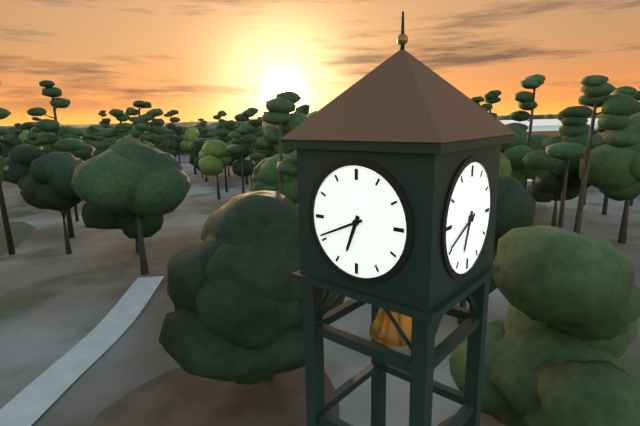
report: 6h41
